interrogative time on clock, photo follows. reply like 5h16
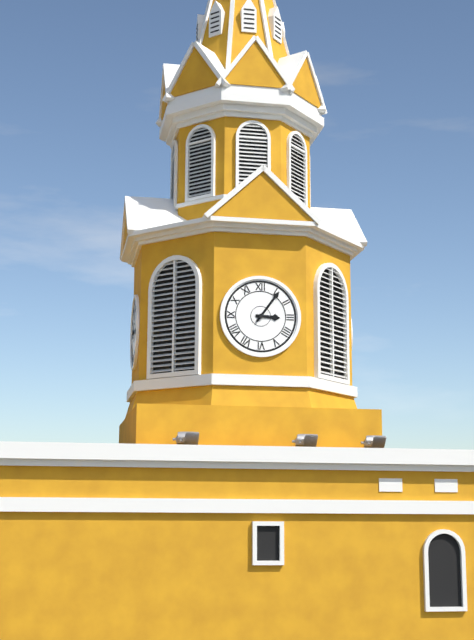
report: 3h06
